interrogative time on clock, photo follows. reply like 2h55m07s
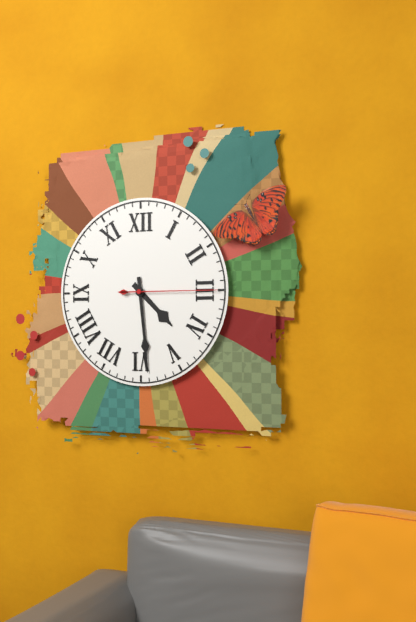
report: 4h29m15s
